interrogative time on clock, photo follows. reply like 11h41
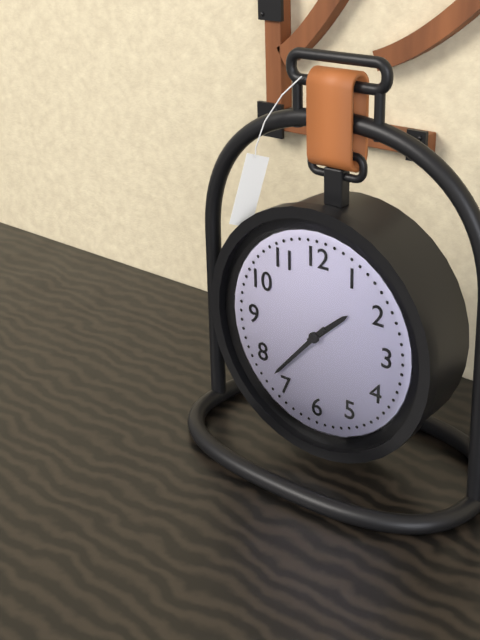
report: 1h37
